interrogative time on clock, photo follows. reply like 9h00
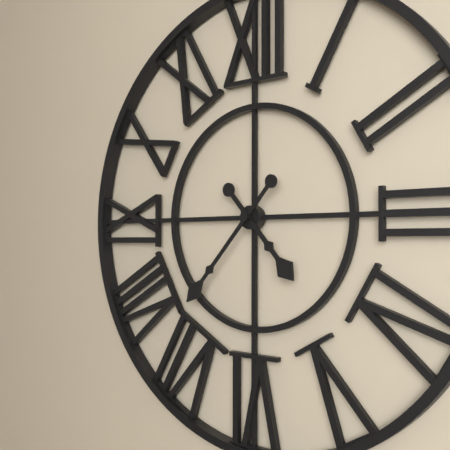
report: 4h37
